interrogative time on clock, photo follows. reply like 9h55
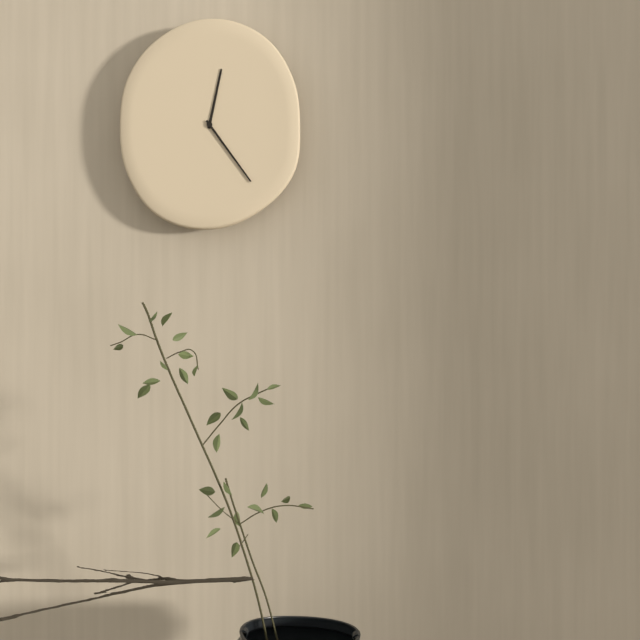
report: 12h24
